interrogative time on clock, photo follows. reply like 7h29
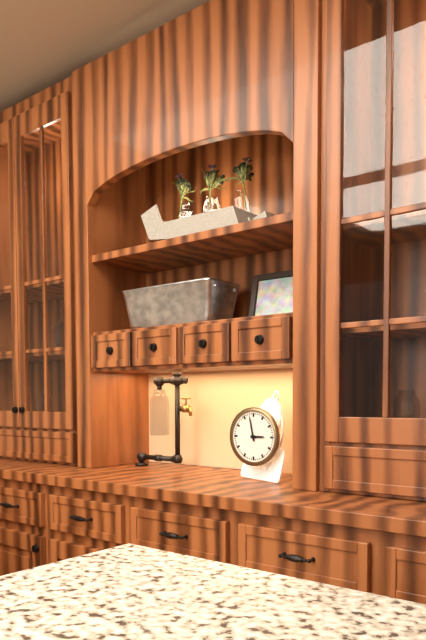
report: 2h58
